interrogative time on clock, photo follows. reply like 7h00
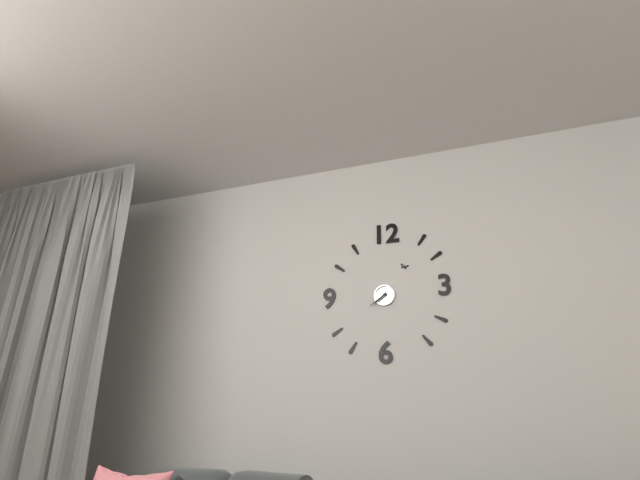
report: 7h39
